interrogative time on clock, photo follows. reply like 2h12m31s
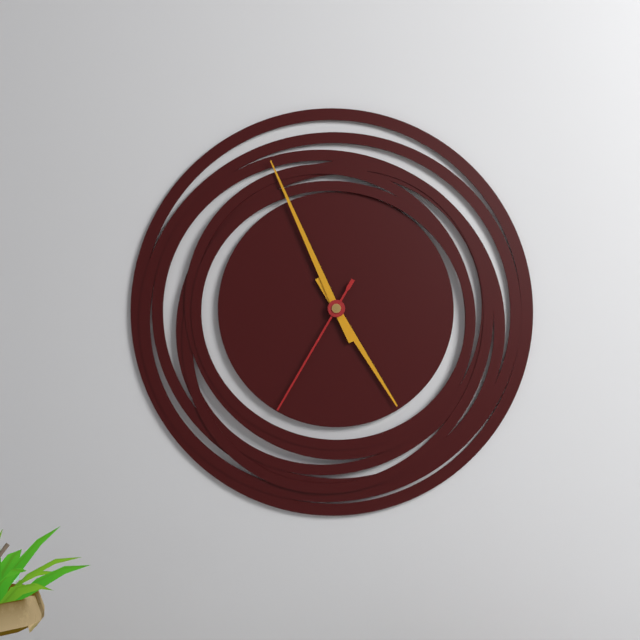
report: 4h56m35s
